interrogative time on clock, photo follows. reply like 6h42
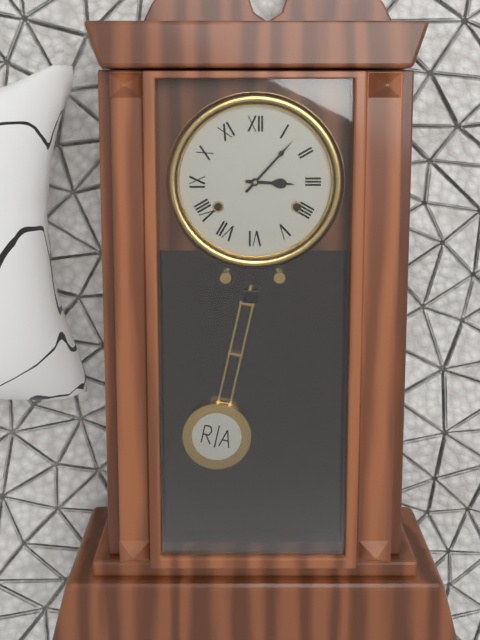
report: 3h07
